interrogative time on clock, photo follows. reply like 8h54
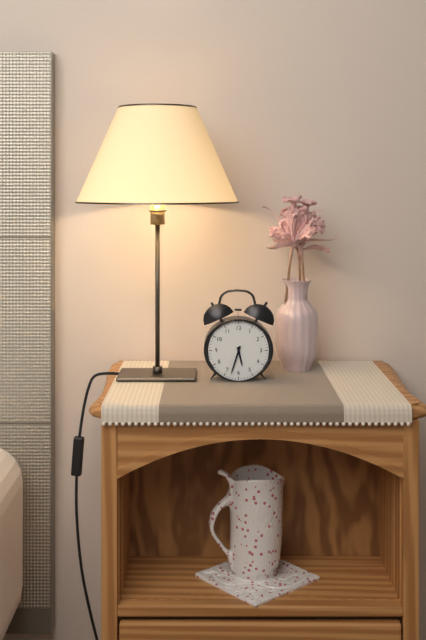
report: 5h33
